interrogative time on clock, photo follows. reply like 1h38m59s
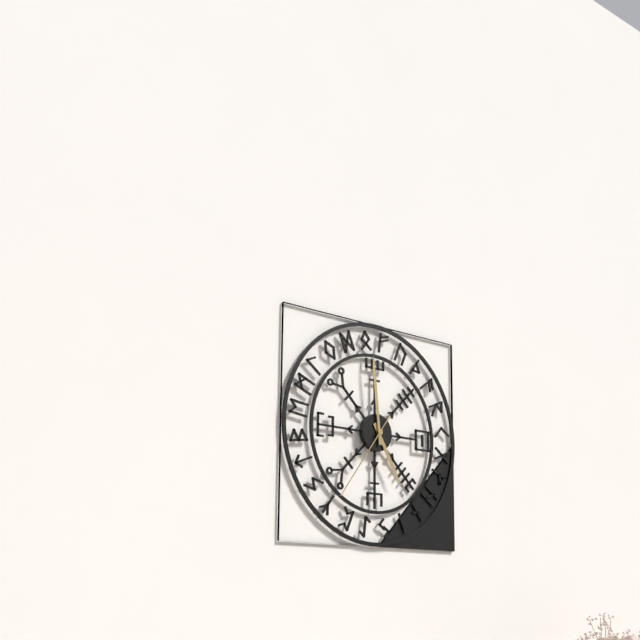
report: 4h59m36s
